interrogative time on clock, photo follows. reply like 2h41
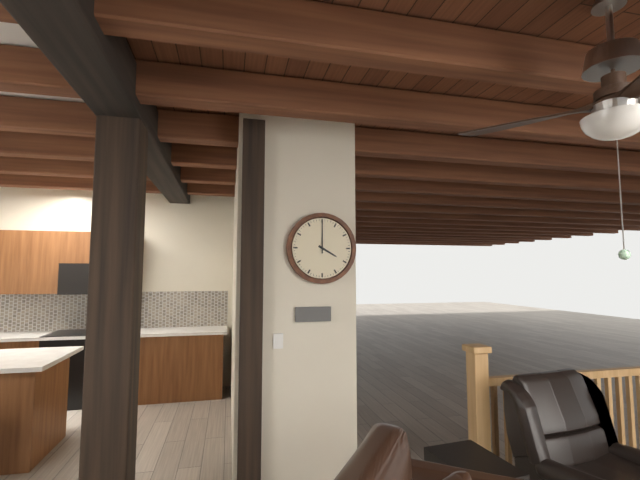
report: 4h00
